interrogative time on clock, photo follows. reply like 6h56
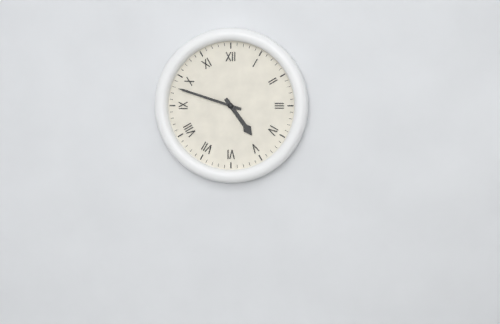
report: 4h48
